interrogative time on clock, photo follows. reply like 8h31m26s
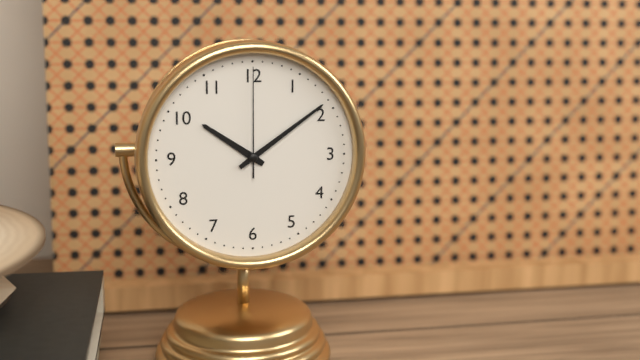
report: 10h09m00s
